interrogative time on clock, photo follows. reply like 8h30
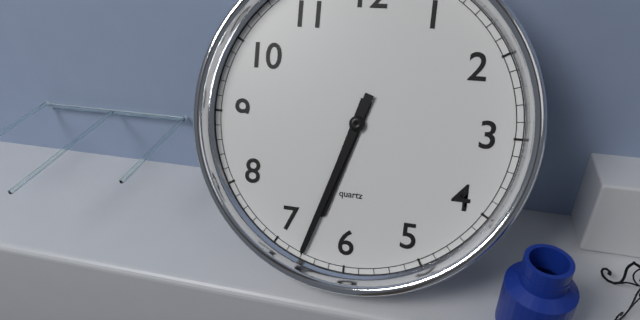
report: 6h33
